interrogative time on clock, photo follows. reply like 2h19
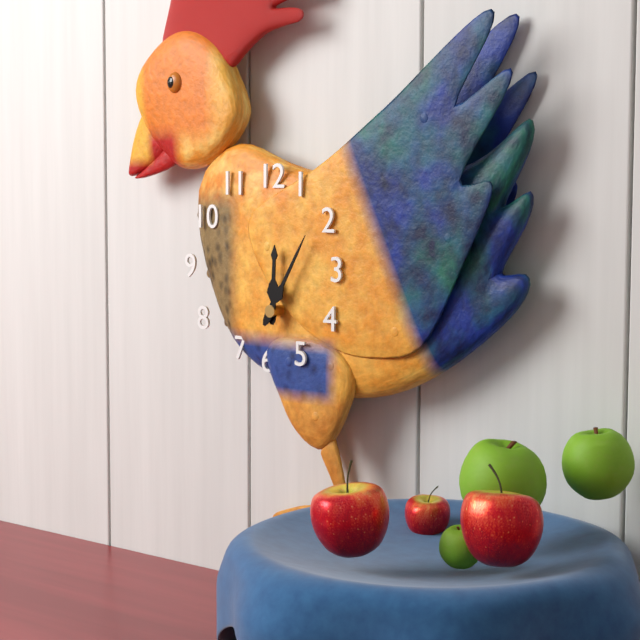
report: 12h05
